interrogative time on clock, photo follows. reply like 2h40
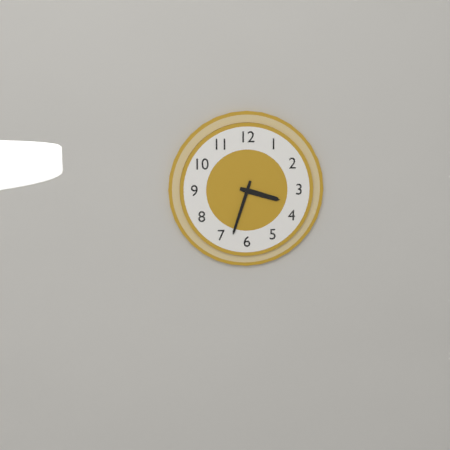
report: 3h33
